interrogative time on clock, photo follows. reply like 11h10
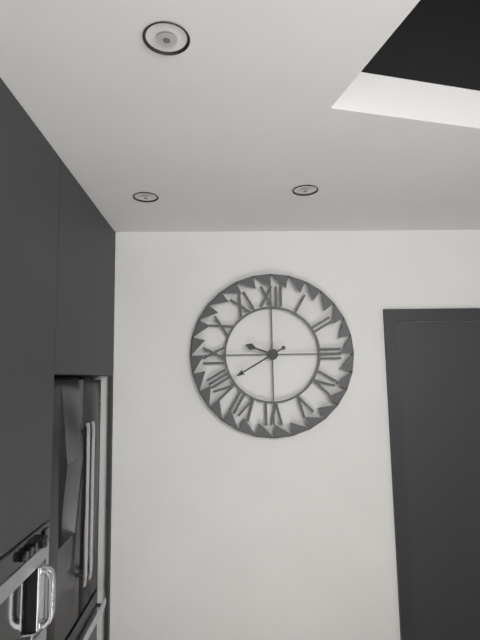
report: 9h40
